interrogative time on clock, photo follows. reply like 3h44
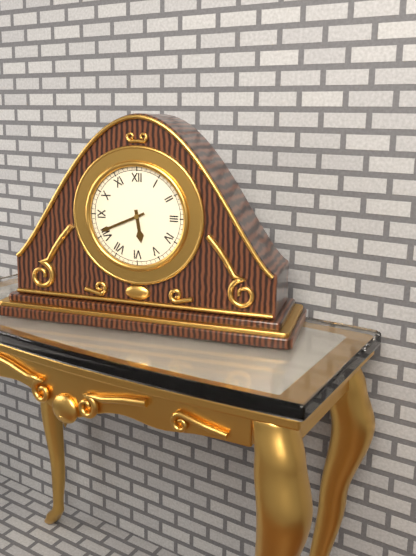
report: 5h41
